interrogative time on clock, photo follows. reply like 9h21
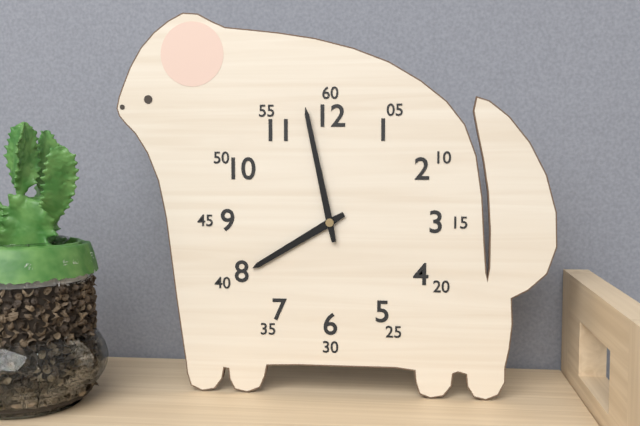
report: 7h58
